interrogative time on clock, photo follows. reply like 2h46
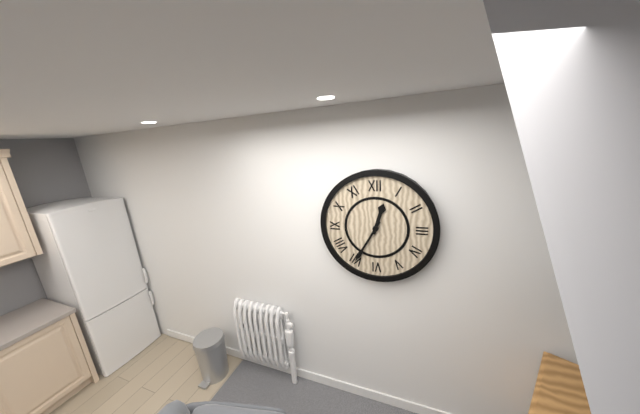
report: 12h35
